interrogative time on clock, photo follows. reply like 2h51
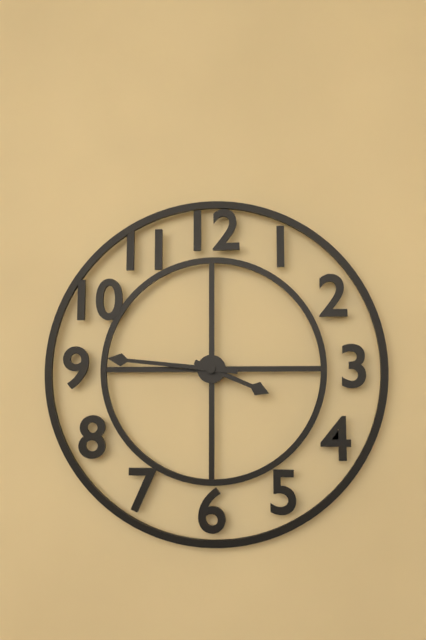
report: 3h46
